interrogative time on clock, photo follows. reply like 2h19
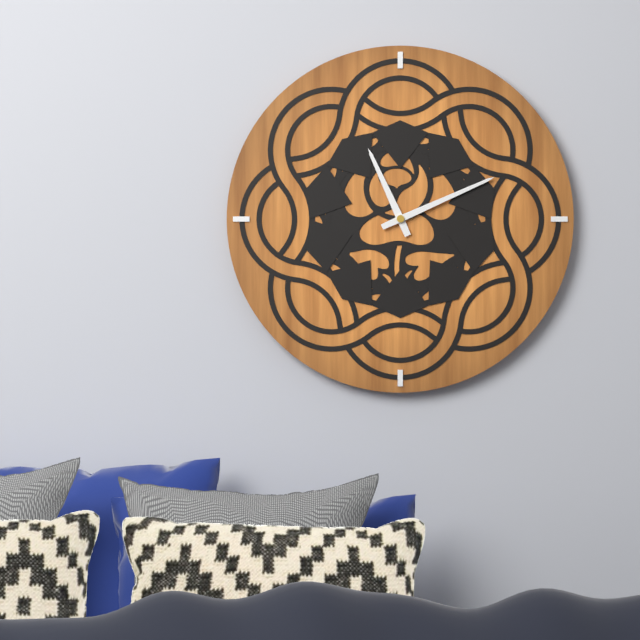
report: 11h11
